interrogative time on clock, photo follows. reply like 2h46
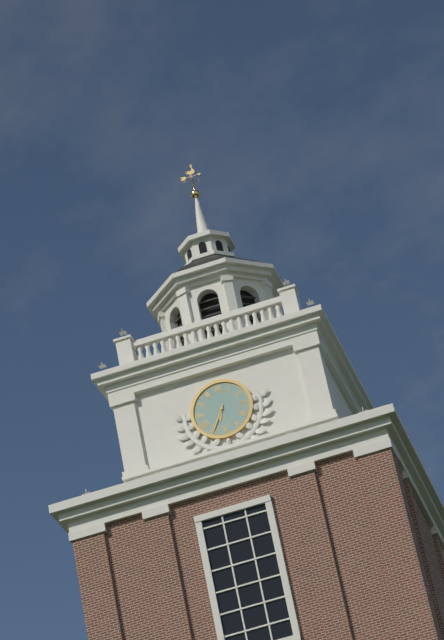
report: 6h35
